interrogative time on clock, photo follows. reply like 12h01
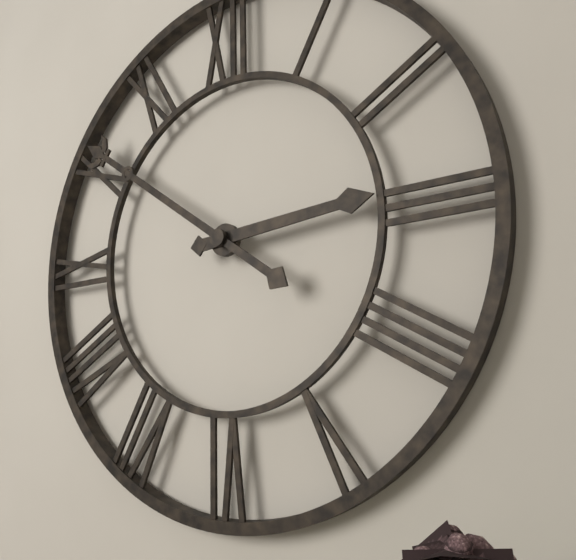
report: 2h51
